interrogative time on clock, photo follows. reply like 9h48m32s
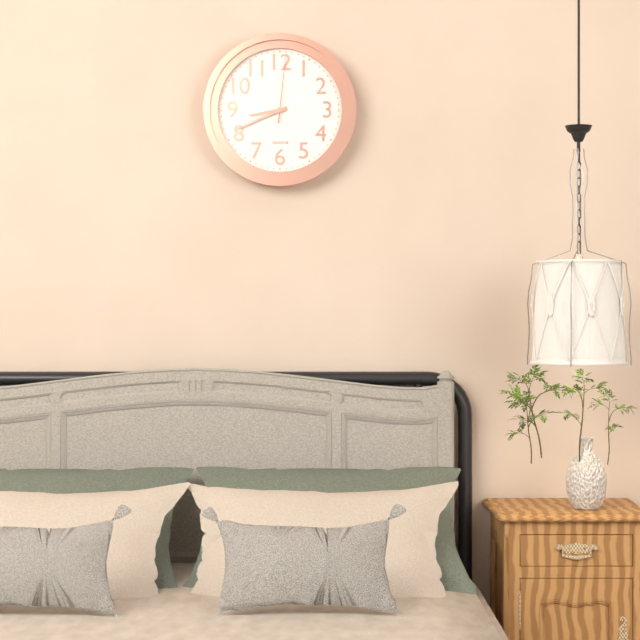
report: 8h41m01s
